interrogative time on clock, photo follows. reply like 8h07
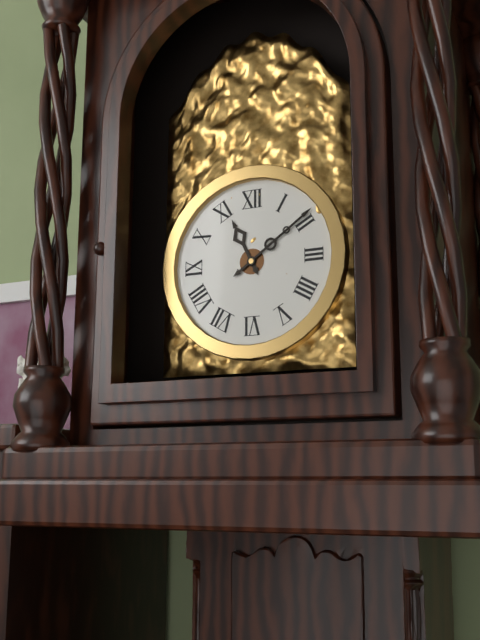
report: 11h09
